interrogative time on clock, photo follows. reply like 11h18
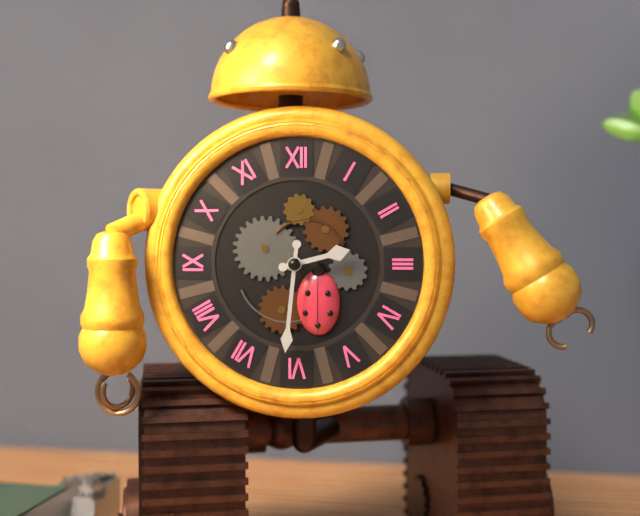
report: 2h31
